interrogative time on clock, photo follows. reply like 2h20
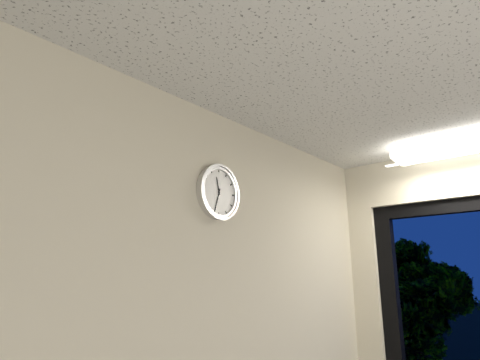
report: 11h33
